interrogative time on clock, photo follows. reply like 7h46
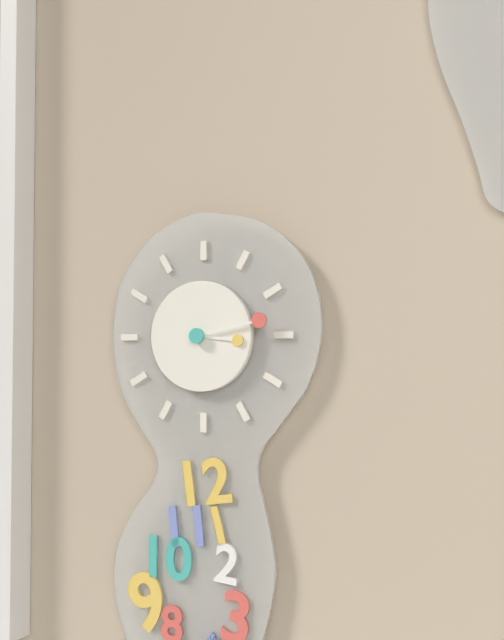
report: 3h13
